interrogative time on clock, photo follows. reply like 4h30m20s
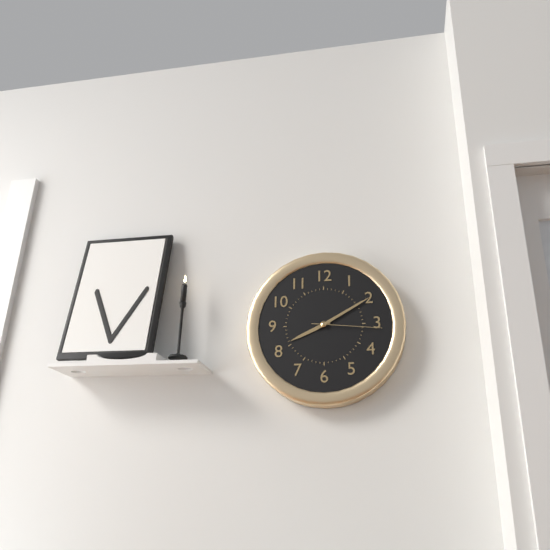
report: 8h10m16s
